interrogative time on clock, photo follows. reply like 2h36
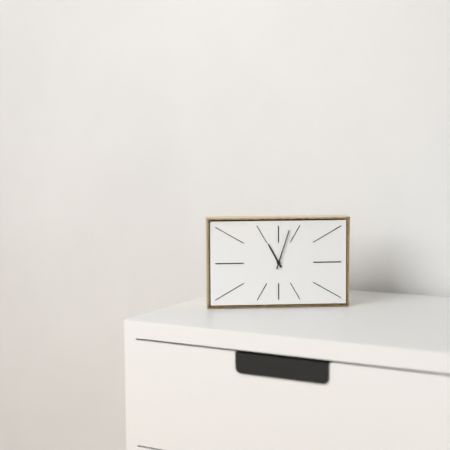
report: 11h03
